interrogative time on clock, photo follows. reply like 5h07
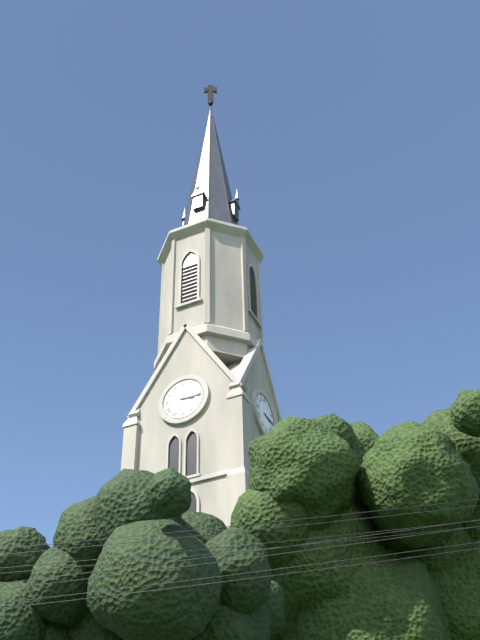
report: 3h15
